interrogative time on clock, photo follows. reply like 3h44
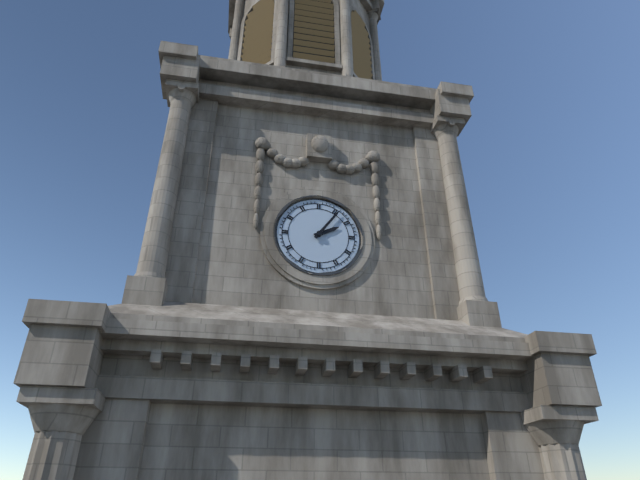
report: 2h06
